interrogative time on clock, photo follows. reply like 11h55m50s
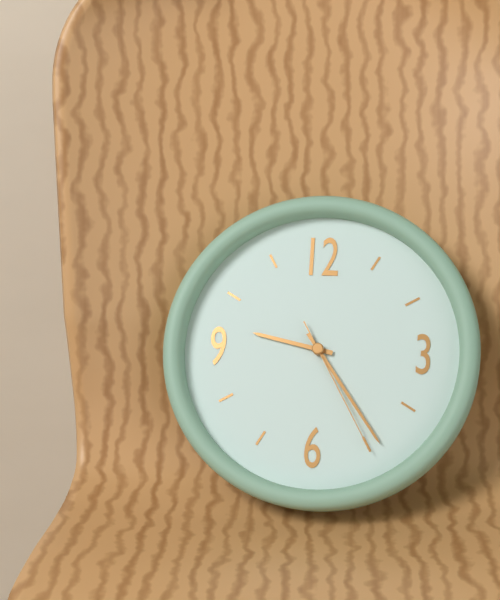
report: 9h24m25s
